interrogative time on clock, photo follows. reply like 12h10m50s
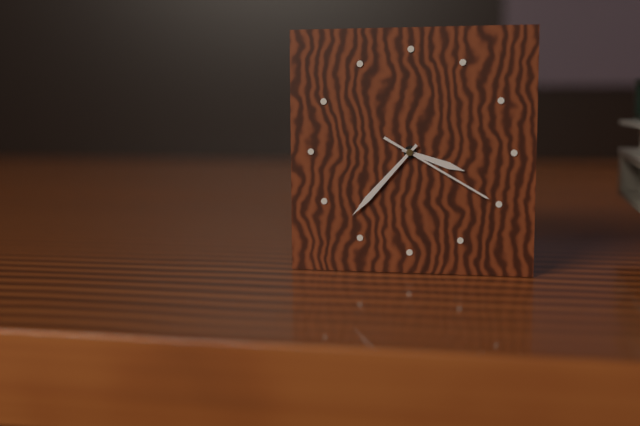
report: 3h37m20s
